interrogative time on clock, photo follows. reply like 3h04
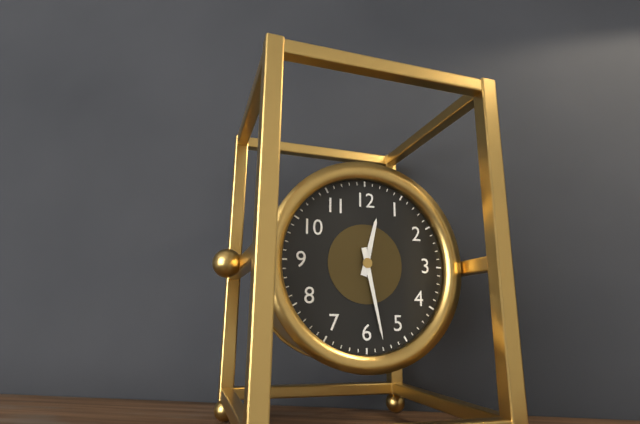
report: 12h28
